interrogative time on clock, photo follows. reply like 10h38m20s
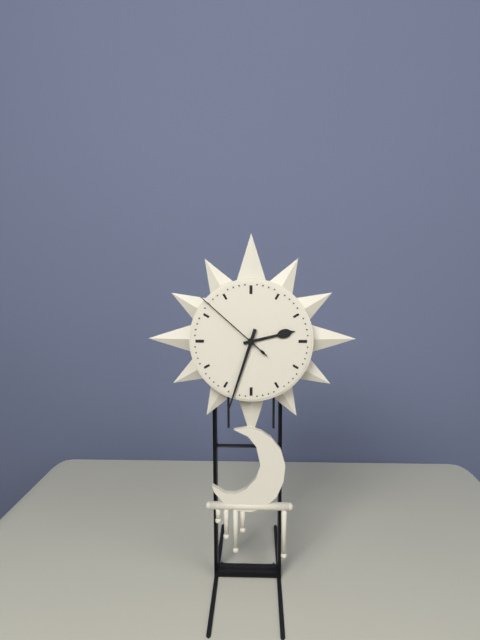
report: 2h33m52s
